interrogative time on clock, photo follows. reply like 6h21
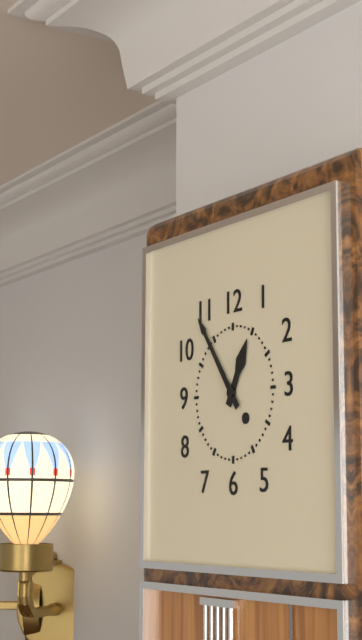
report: 12h54
